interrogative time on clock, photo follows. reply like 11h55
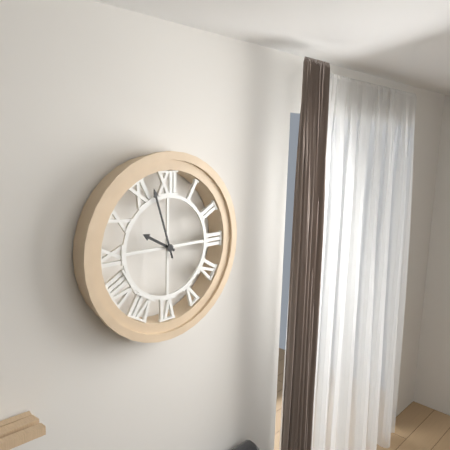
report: 9h57
